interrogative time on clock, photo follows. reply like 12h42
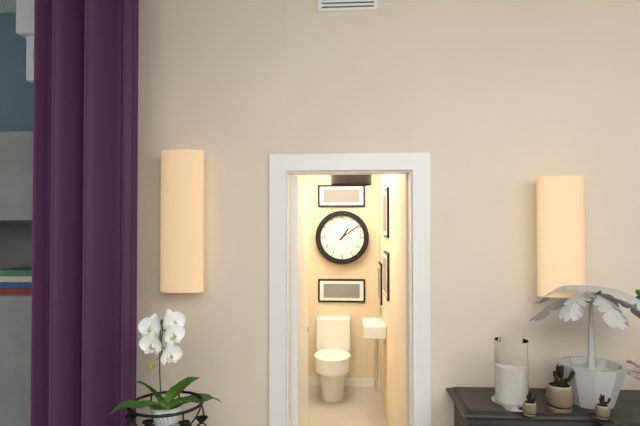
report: 1h09
